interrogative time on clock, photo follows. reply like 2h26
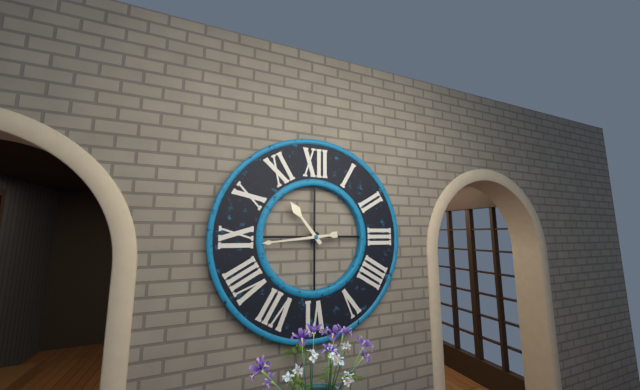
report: 10h44
